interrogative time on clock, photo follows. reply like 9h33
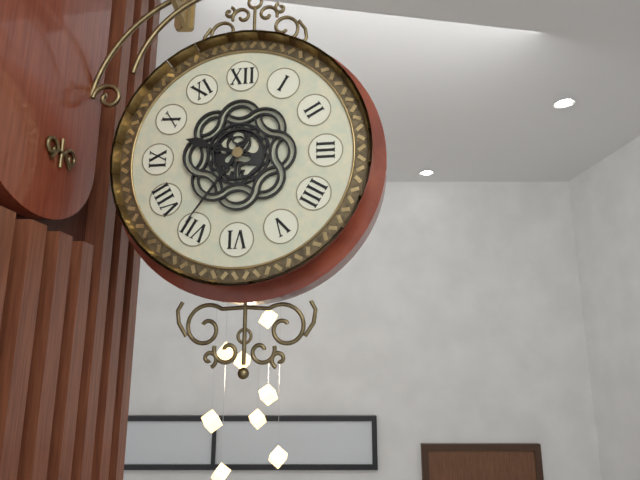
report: 9h36
